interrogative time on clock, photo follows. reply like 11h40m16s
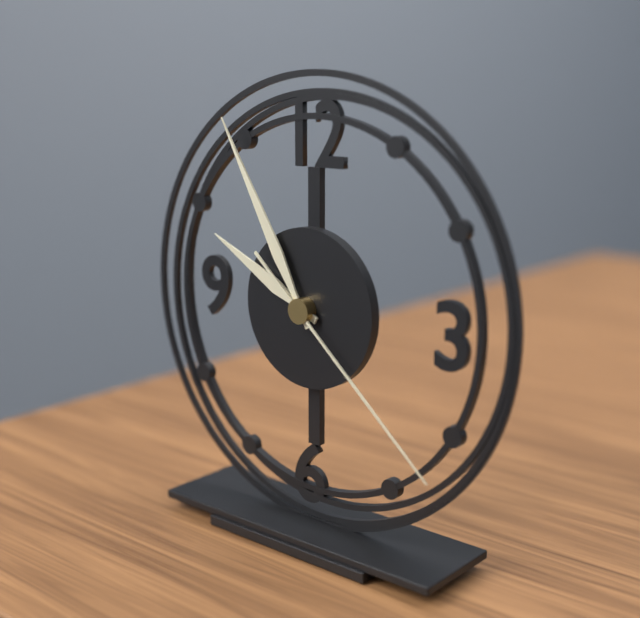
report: 9h55m22s
